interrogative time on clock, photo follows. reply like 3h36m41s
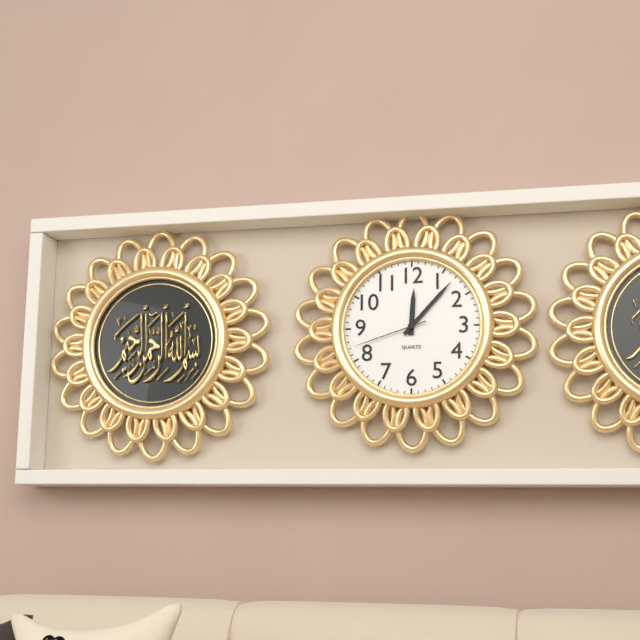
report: 12h07m42s
